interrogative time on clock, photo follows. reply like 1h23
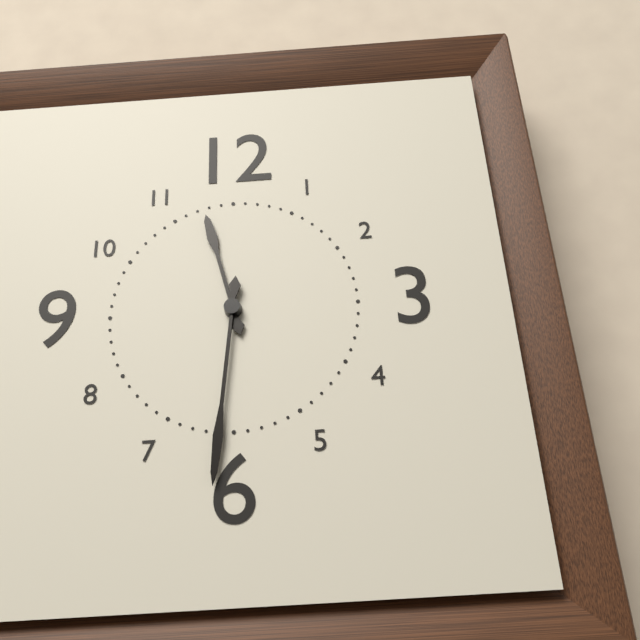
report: 11h31
